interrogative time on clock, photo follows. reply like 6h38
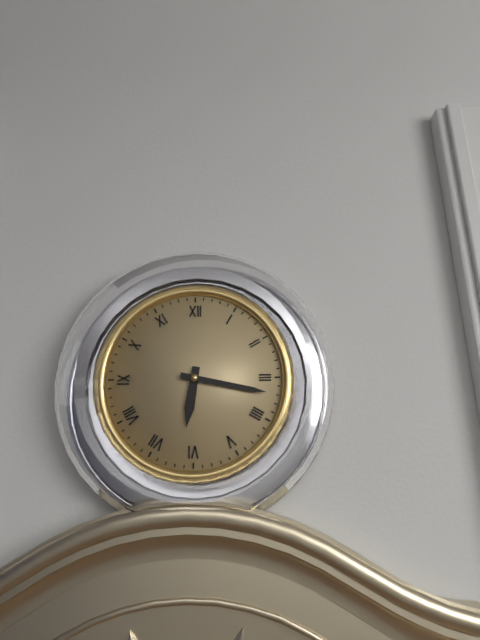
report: 6h17
